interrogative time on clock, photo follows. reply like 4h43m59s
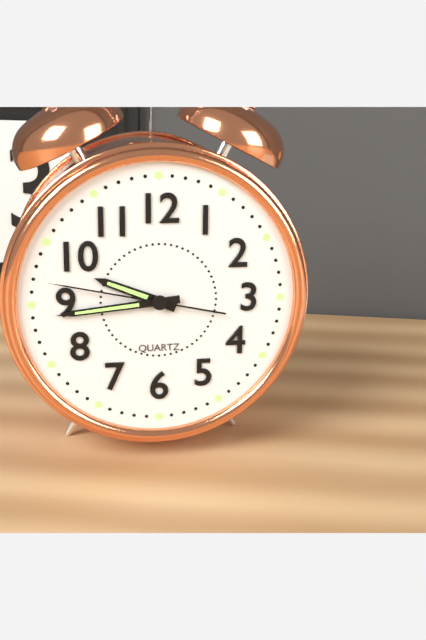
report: 9h44m47s
